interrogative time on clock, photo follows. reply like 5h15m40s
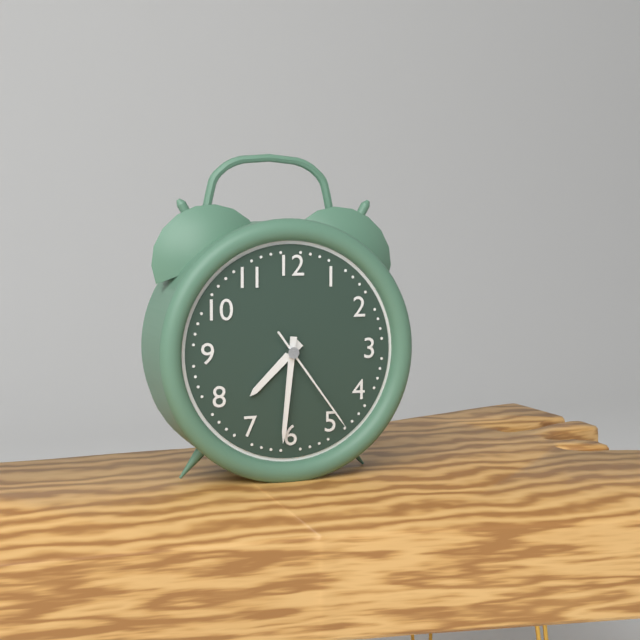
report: 7h31m24s
